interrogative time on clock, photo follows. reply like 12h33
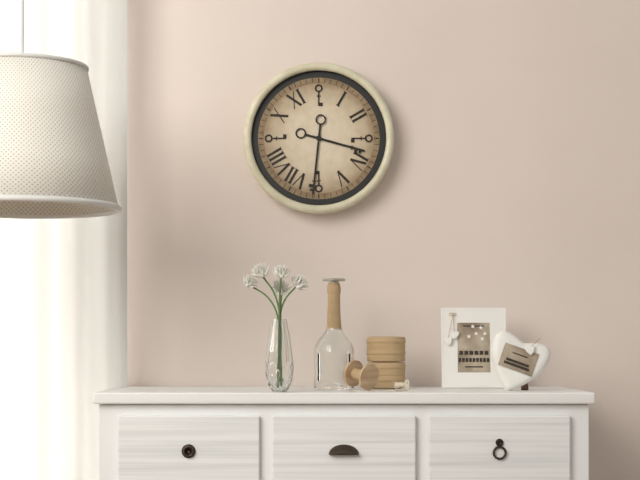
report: 3h31
